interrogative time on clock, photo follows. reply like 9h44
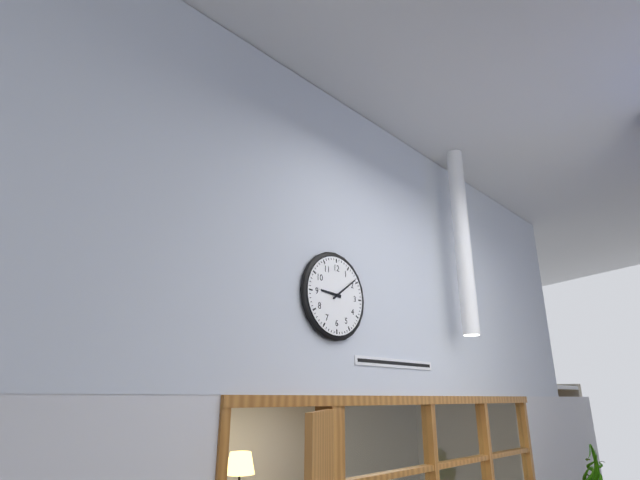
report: 9h09
